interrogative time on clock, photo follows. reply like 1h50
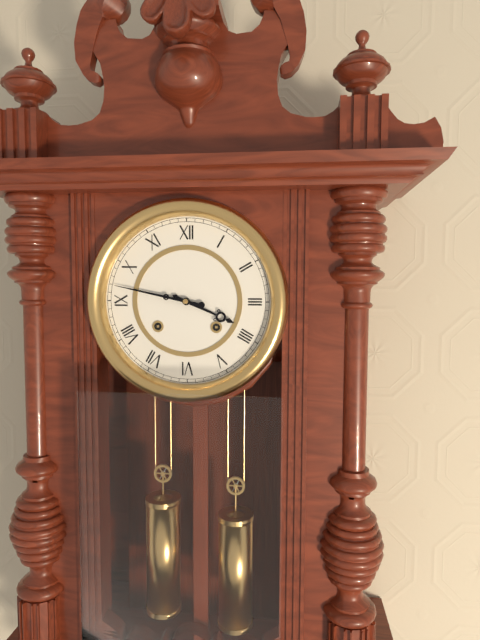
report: 3h47
